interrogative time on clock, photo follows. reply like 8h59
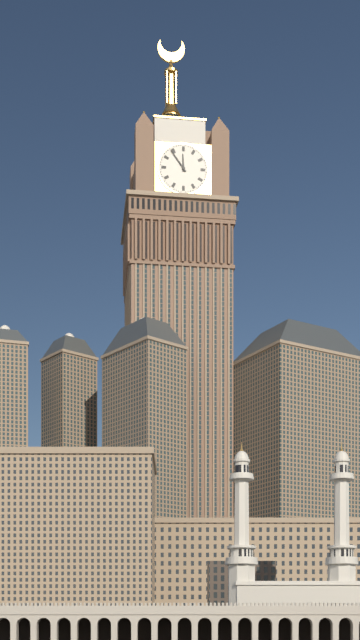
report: 11h54
